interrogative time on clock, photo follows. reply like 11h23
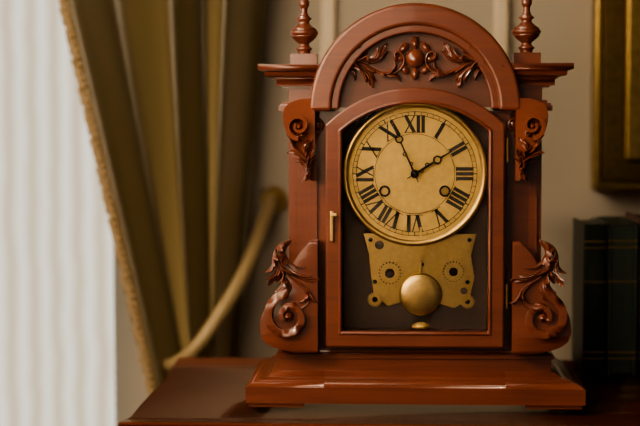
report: 1h56
